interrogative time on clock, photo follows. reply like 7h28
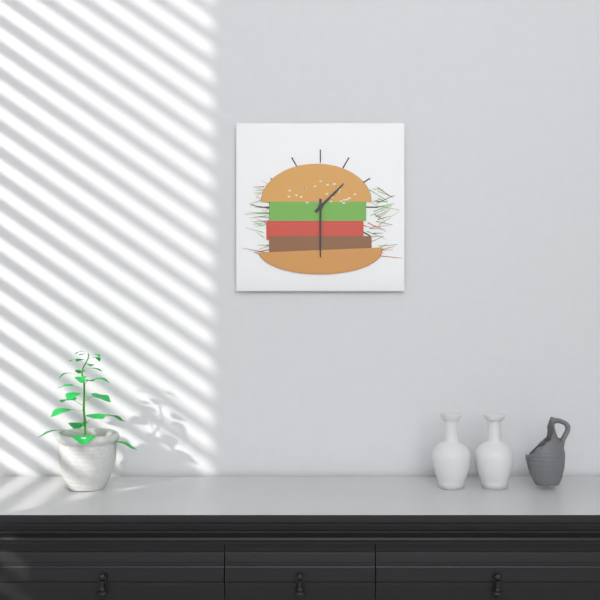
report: 1h30
